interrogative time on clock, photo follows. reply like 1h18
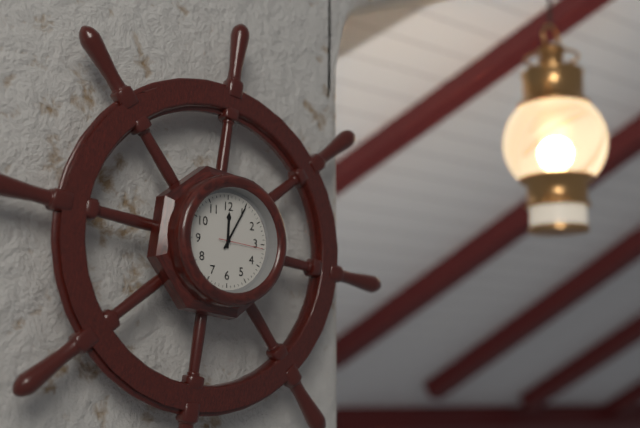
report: 12h05
